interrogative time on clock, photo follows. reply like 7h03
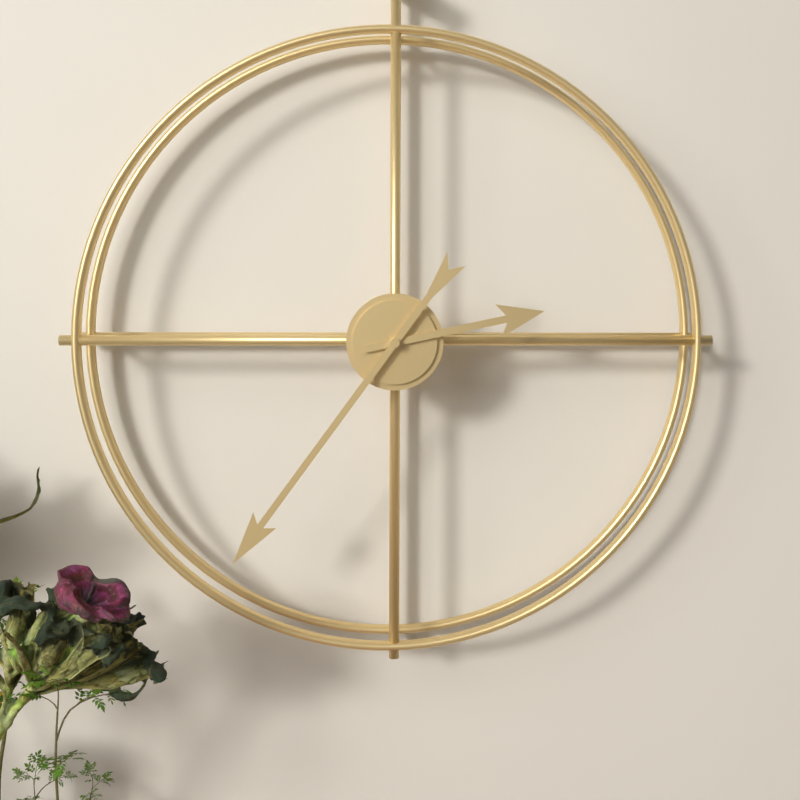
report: 2h36
